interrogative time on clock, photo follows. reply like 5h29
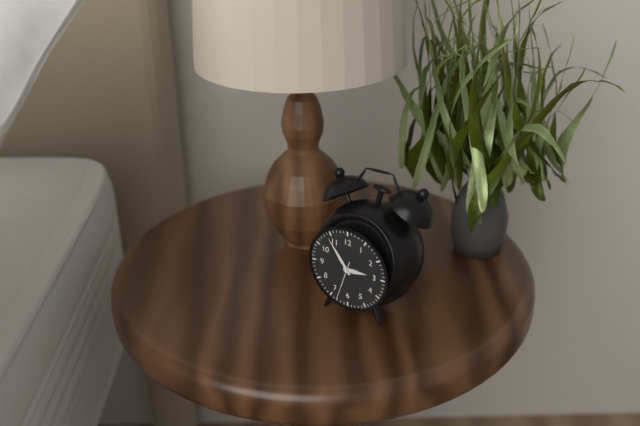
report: 2h54
